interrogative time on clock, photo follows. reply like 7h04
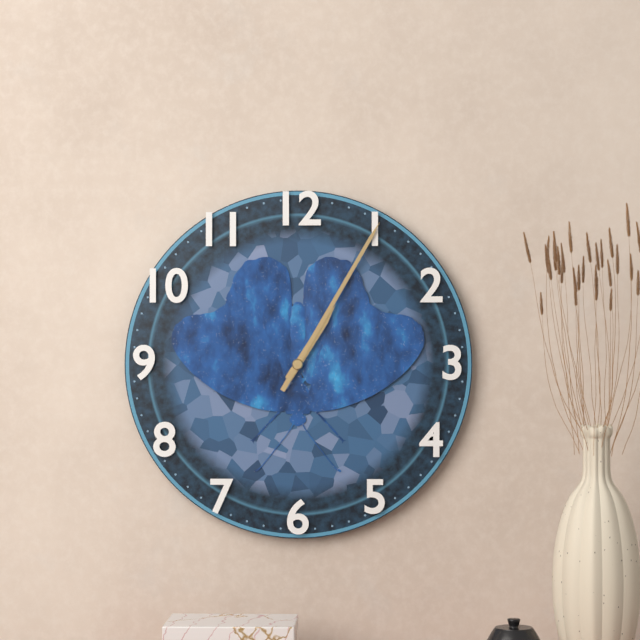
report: 1h05
